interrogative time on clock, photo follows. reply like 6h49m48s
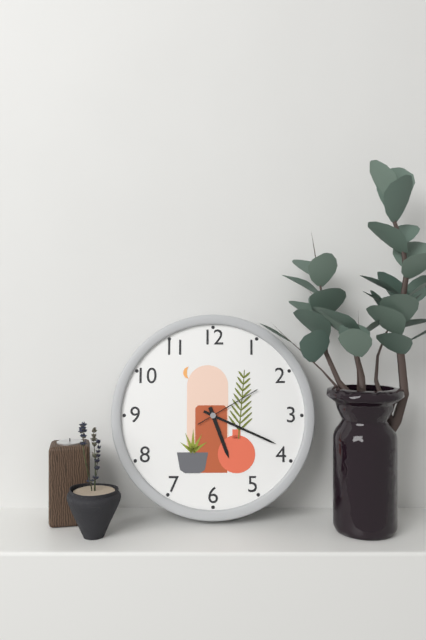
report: 5h19m10s
